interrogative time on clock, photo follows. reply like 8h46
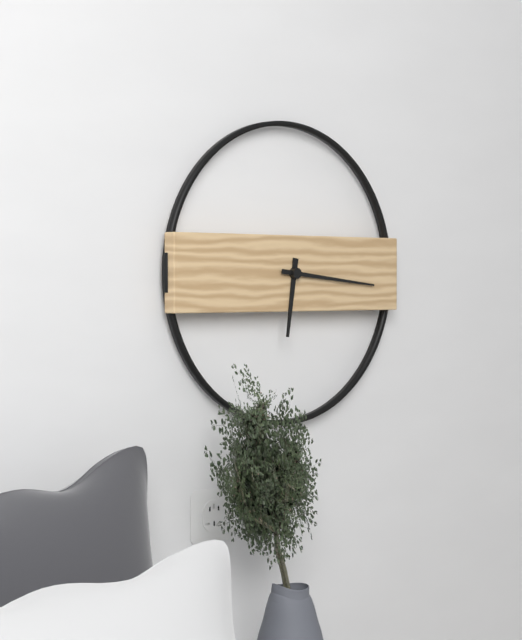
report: 6h16
